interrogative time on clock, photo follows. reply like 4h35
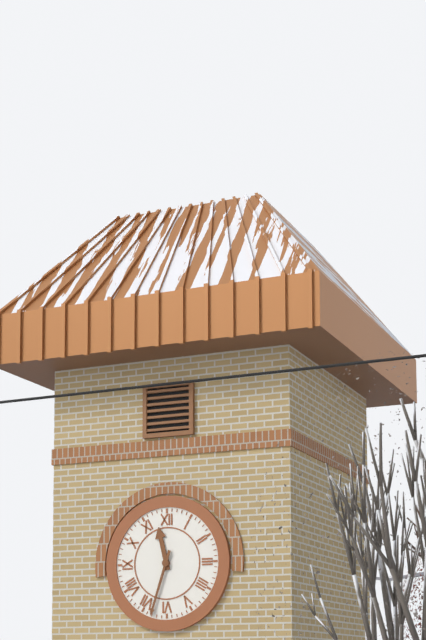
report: 11h33
